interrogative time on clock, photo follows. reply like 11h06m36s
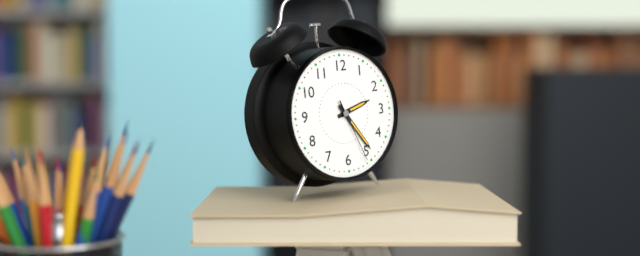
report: 2h24m26s
